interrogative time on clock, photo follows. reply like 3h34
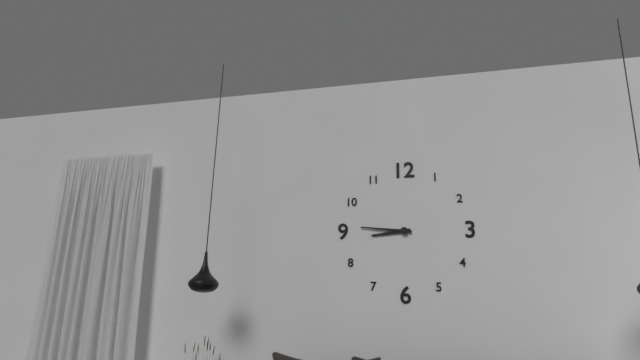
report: 8h46
